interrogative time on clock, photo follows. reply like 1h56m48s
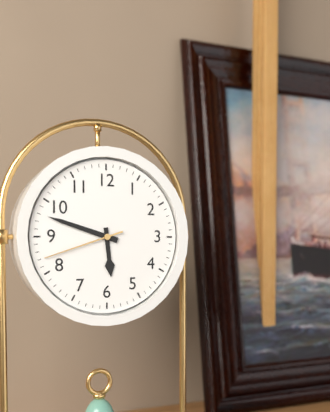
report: 5h48m42s
